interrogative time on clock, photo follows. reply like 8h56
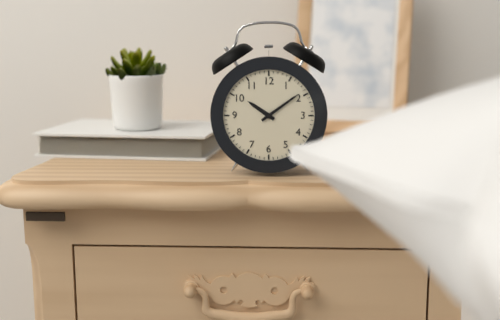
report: 10h09
